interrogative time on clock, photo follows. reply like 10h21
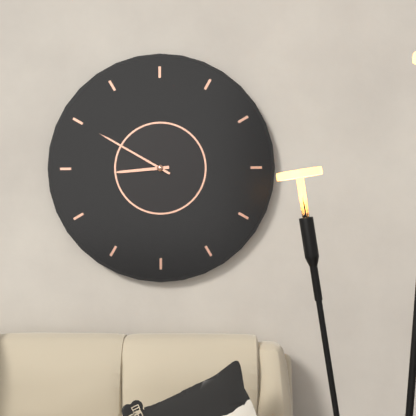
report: 8h50
